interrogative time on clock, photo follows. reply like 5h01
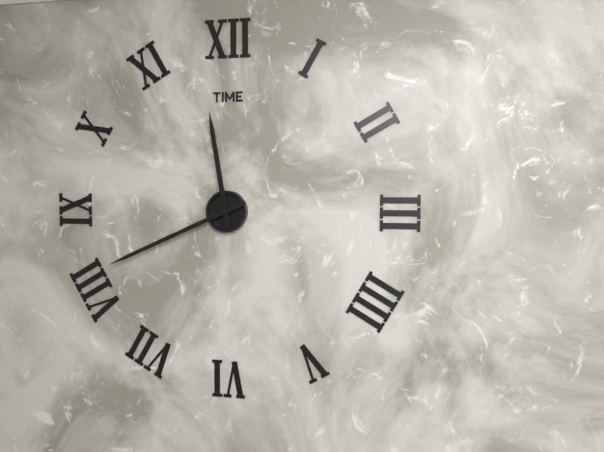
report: 11h41
